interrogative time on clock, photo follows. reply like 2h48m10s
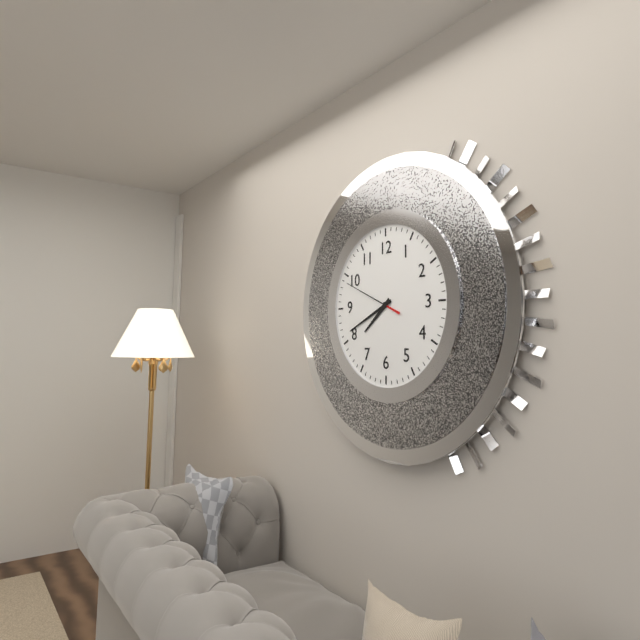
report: 7h41m49s
